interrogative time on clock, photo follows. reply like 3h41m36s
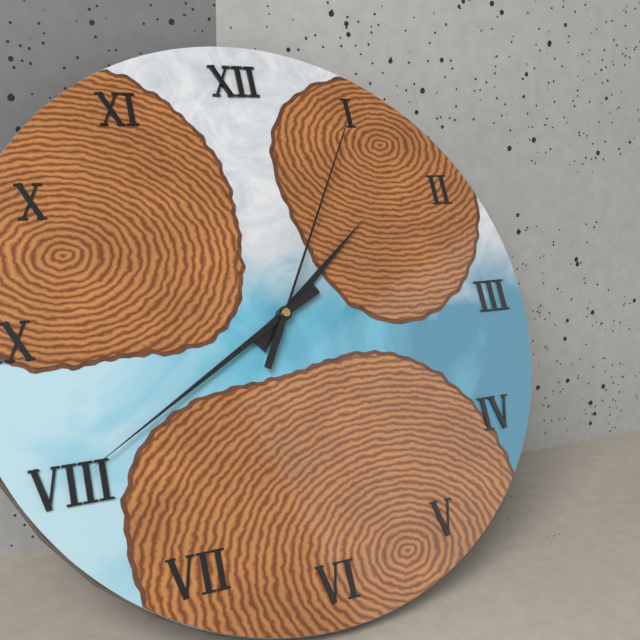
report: 1h40m05s
